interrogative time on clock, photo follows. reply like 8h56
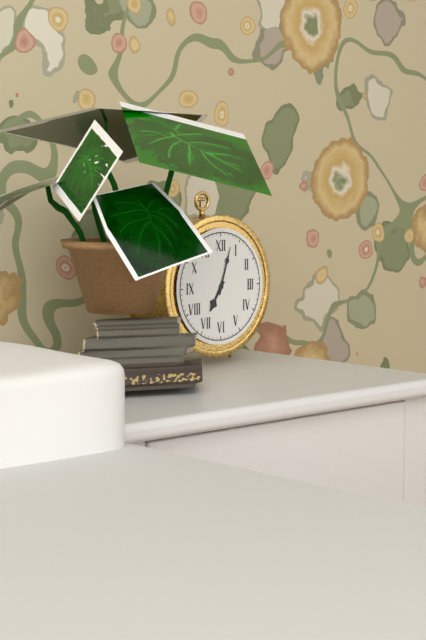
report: 7h03
